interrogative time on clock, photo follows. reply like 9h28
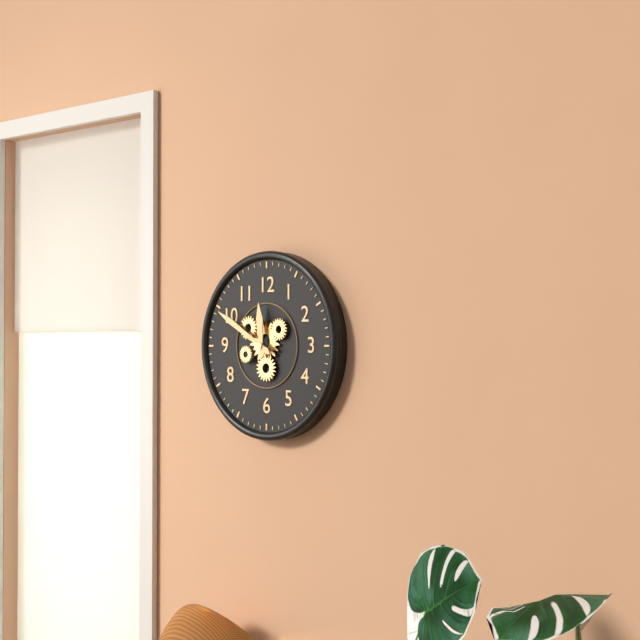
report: 11h50
